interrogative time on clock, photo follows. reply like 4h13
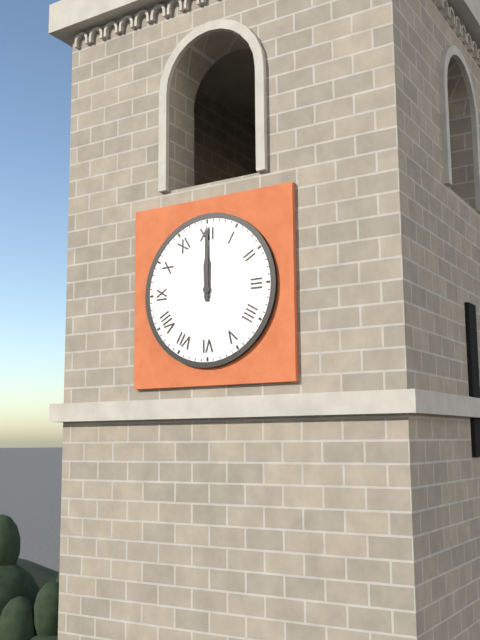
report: 12h00
